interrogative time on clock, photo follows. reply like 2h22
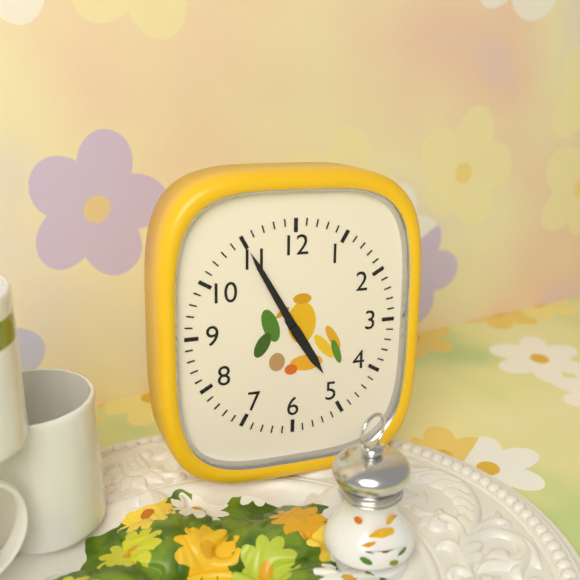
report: 4h55
